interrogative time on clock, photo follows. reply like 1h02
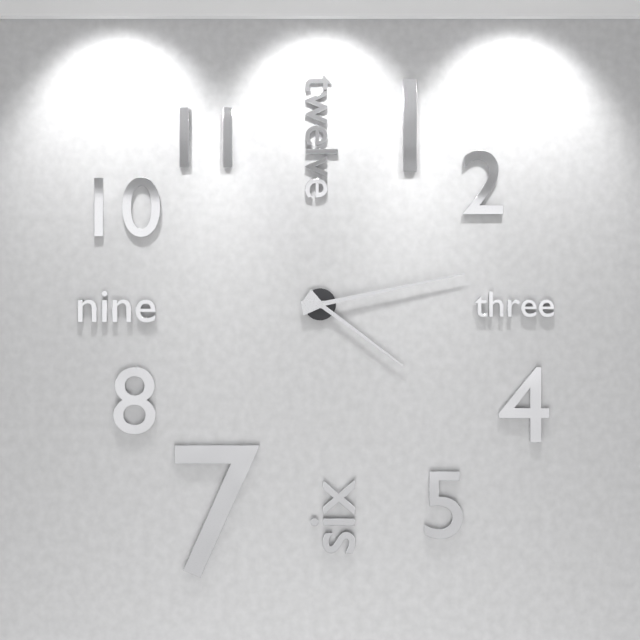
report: 4h13
